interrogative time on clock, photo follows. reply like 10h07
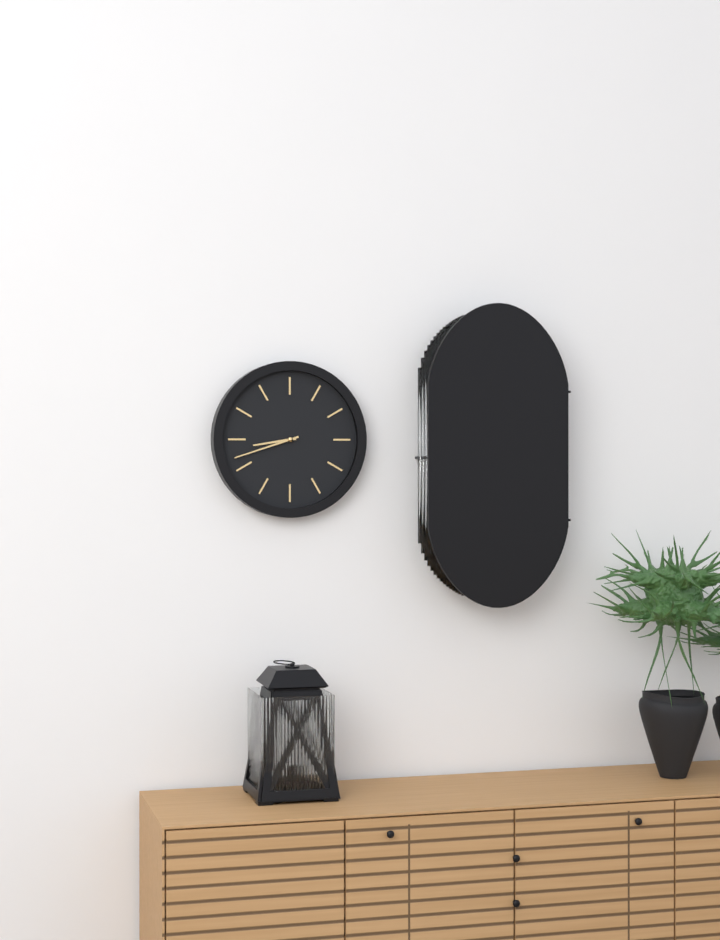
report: 8h42
